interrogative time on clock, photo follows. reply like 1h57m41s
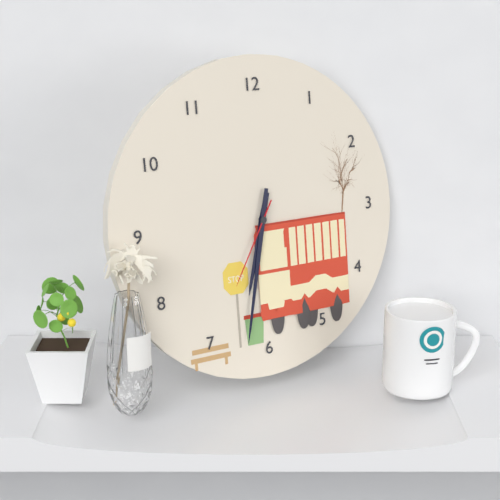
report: 6h32m35s
